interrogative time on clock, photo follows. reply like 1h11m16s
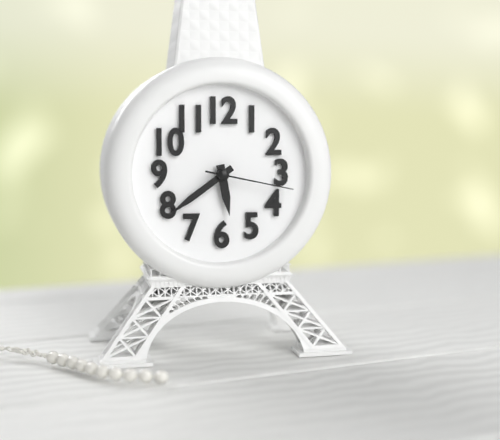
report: 5h39m17s
